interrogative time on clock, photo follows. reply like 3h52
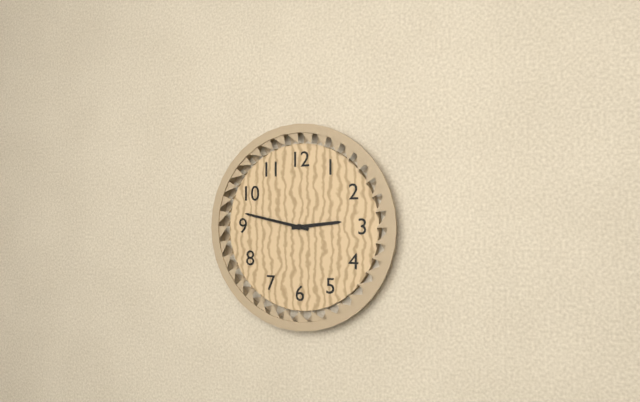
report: 2h47
